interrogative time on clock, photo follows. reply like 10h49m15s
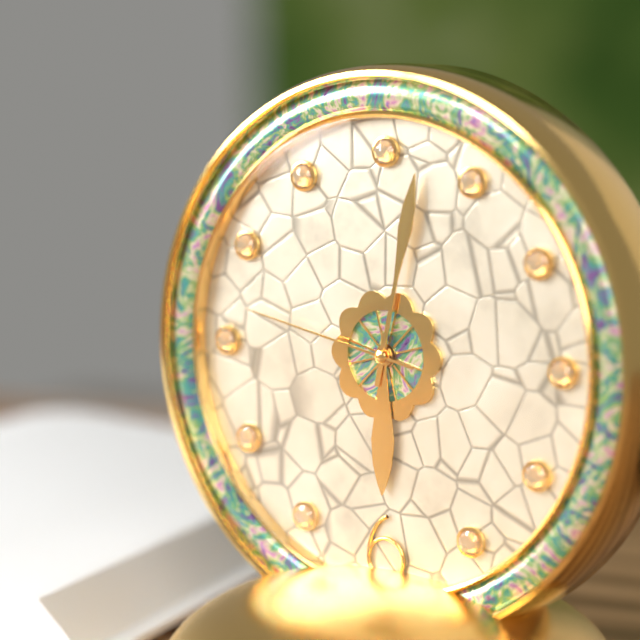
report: 6h02m47s
